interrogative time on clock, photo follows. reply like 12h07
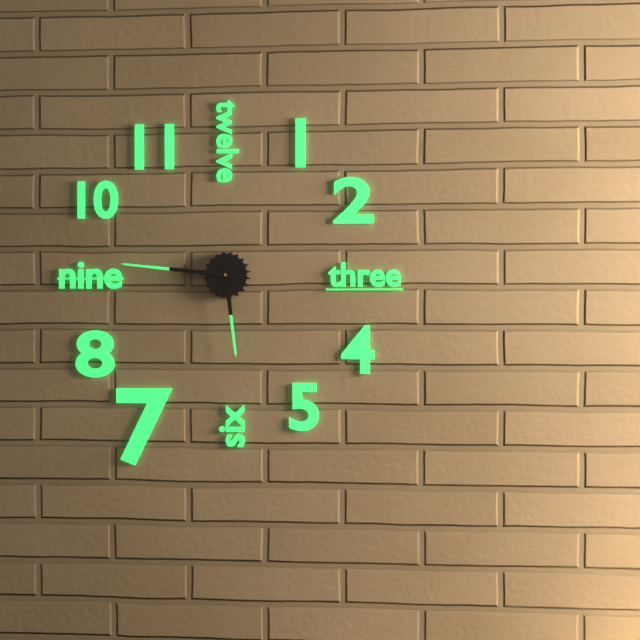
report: 5h46
